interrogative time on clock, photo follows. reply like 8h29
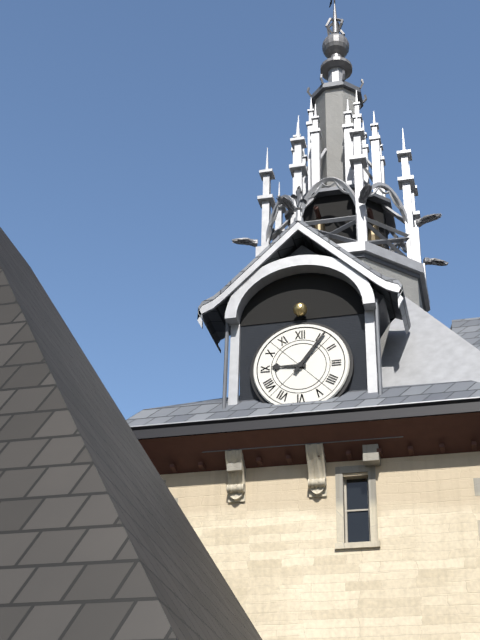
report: 9h06
